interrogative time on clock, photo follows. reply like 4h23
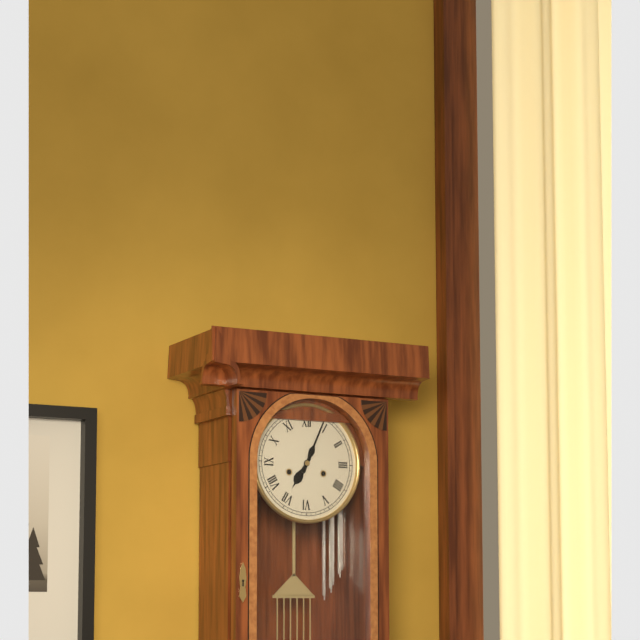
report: 7h04
